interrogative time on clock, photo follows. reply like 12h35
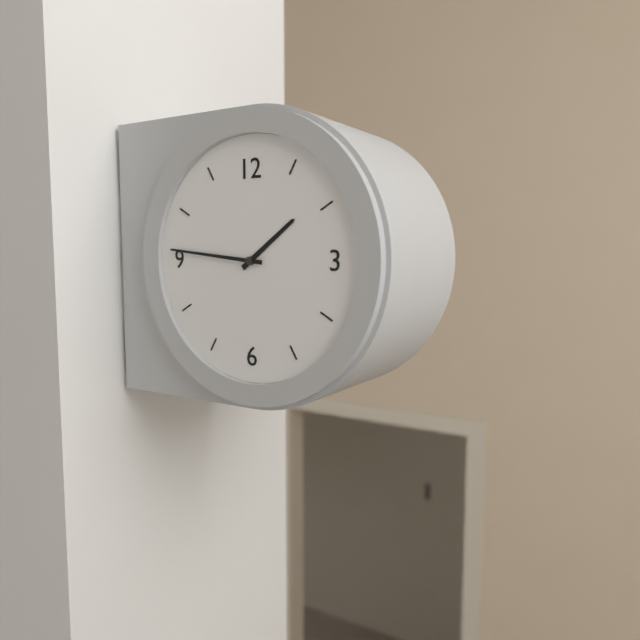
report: 1h46
